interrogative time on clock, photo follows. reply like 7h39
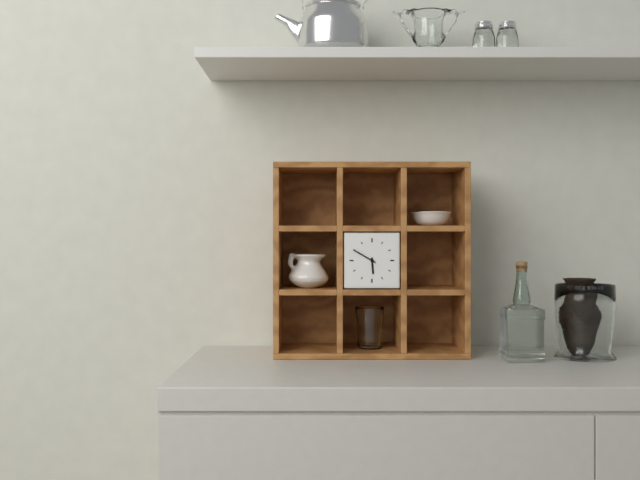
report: 5h50
